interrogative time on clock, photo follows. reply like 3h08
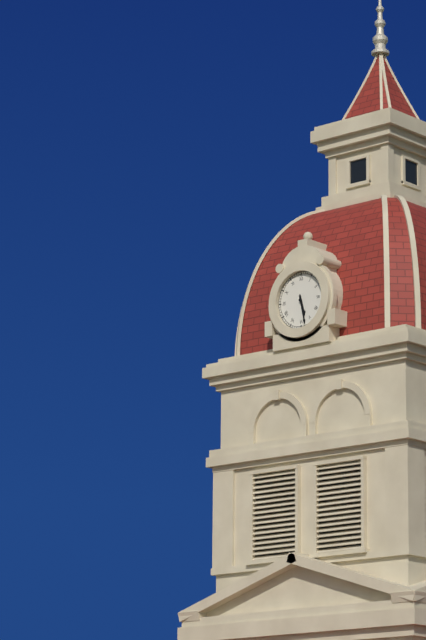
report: 5h28
